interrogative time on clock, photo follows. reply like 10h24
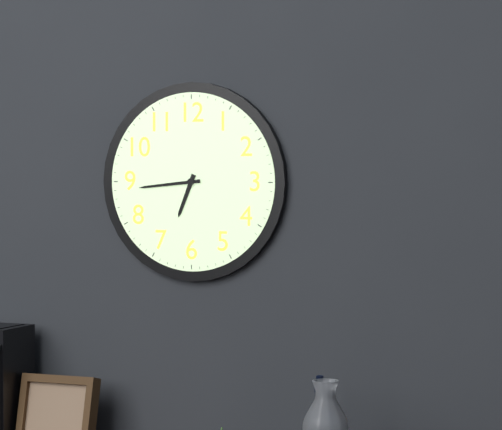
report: 6h44
